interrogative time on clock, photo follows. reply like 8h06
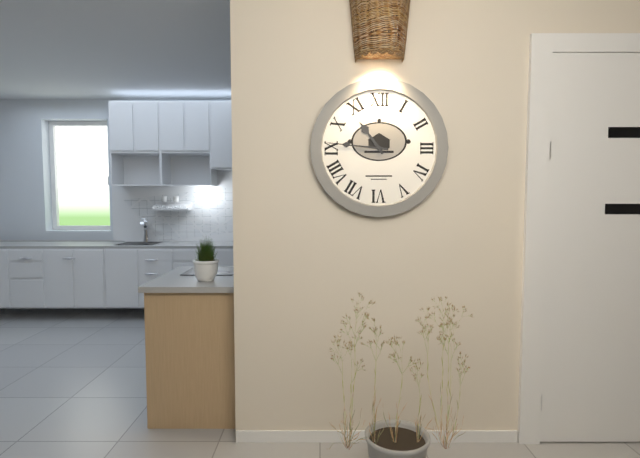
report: 10h46
